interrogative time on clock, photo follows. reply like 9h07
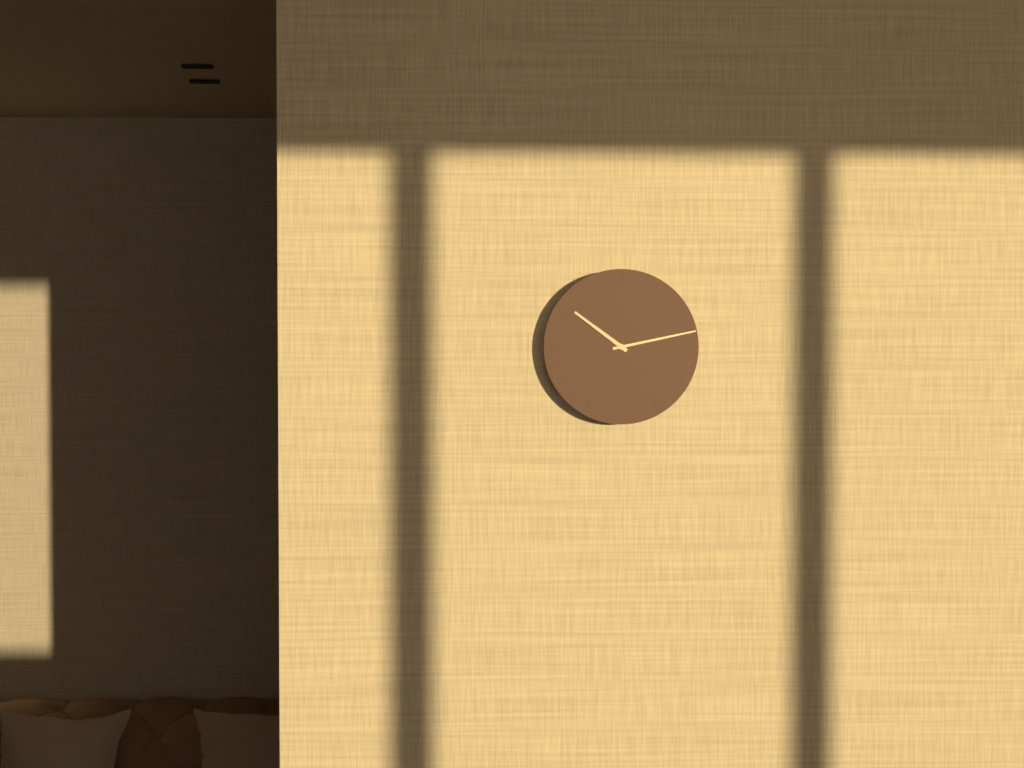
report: 10h13
